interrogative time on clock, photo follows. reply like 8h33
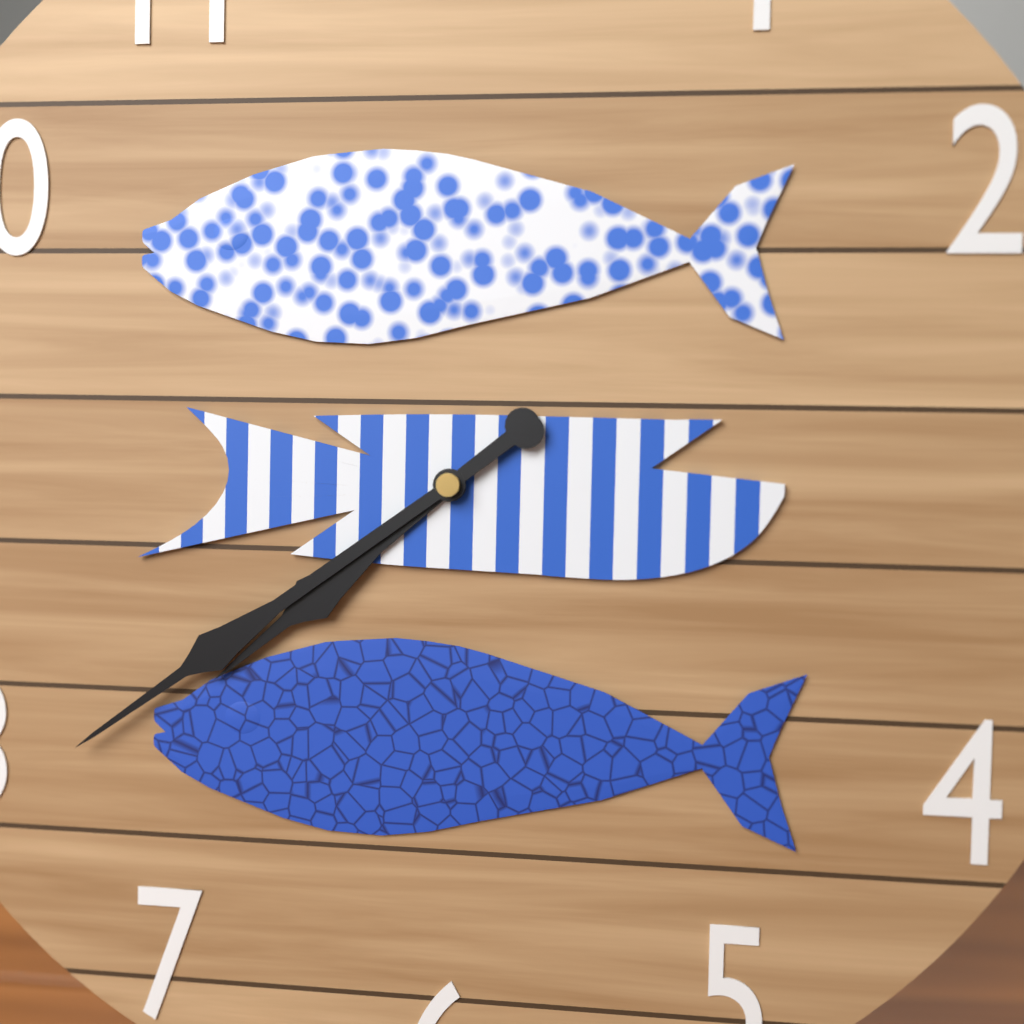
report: 7h39
